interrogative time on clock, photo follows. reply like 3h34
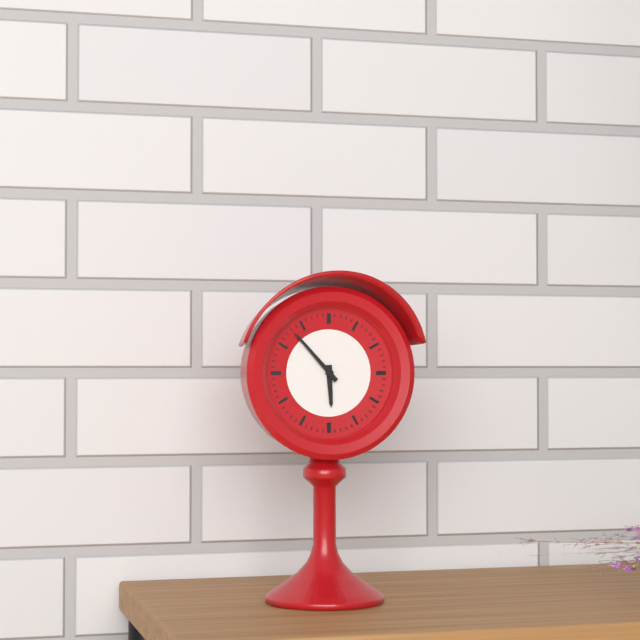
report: 5h53
